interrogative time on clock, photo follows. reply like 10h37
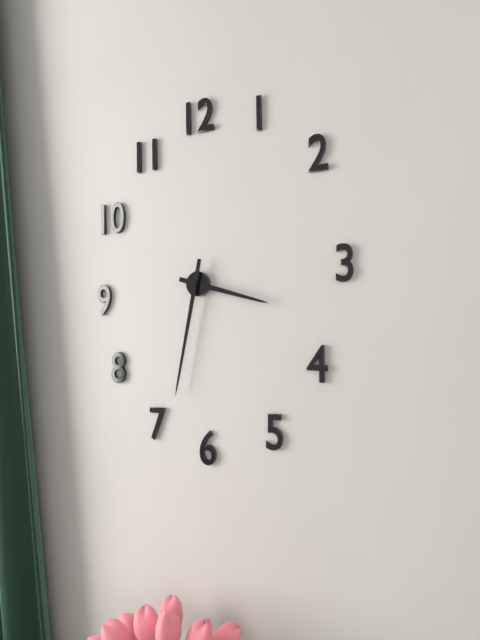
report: 3h32
